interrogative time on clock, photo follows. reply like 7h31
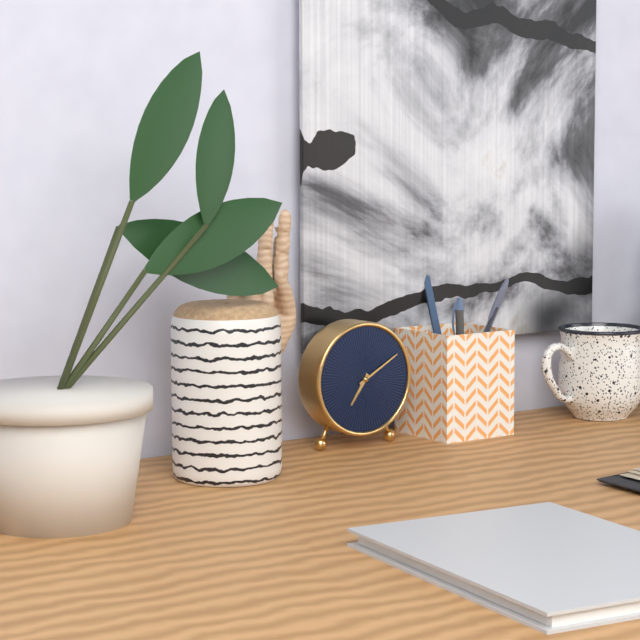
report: 7h10
